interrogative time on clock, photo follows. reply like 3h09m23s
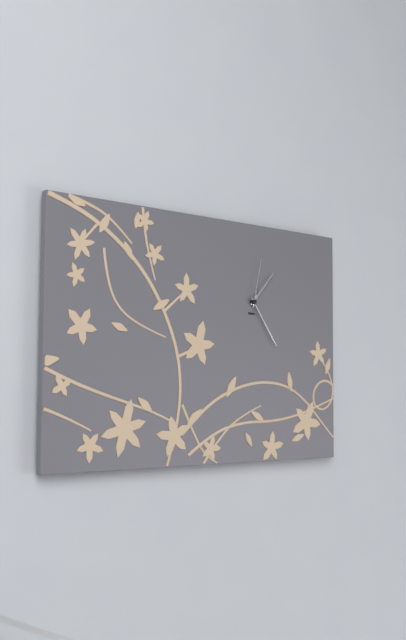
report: 1h24m02s
